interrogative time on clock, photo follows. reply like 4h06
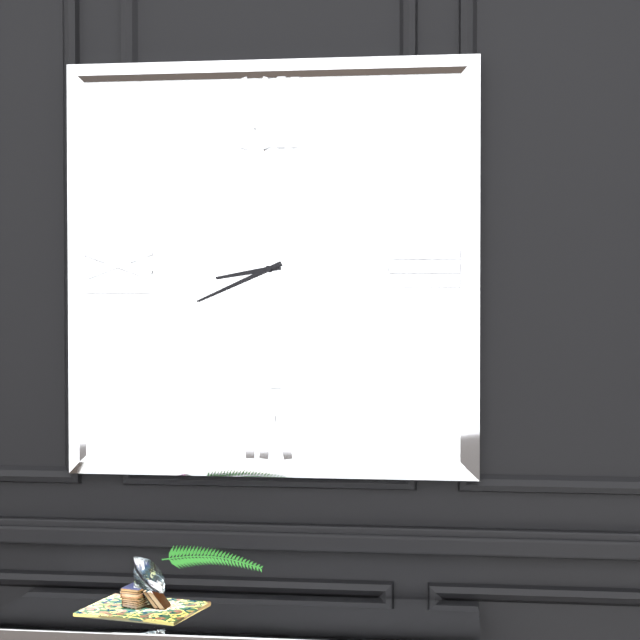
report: 8h41
